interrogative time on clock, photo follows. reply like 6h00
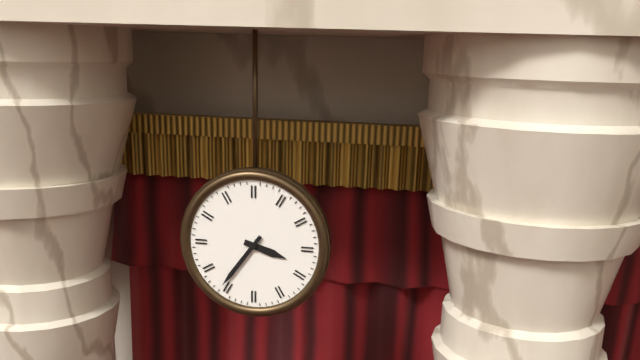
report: 3h36
